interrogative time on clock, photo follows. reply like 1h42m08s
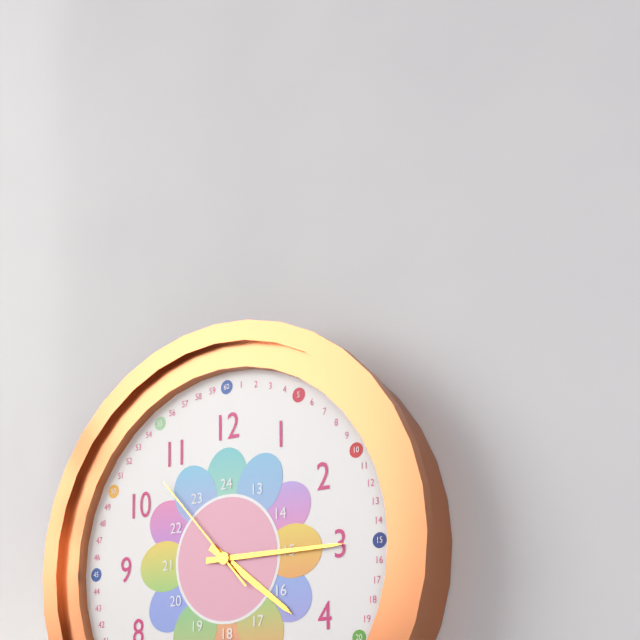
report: 4h15m53s
